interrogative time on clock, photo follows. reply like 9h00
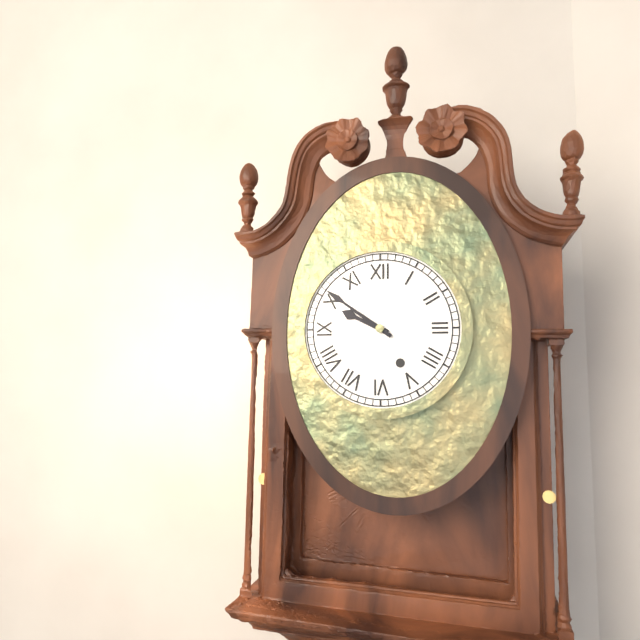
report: 9h51
